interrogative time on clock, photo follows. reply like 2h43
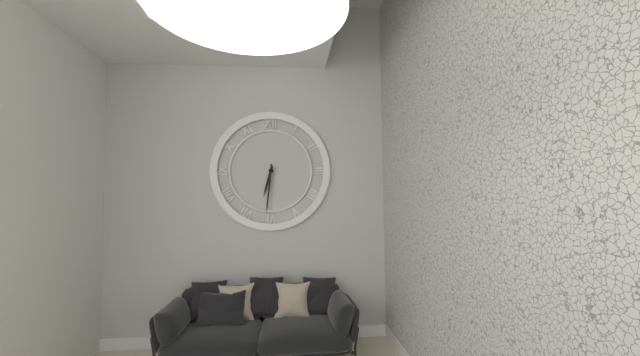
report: 6h31
